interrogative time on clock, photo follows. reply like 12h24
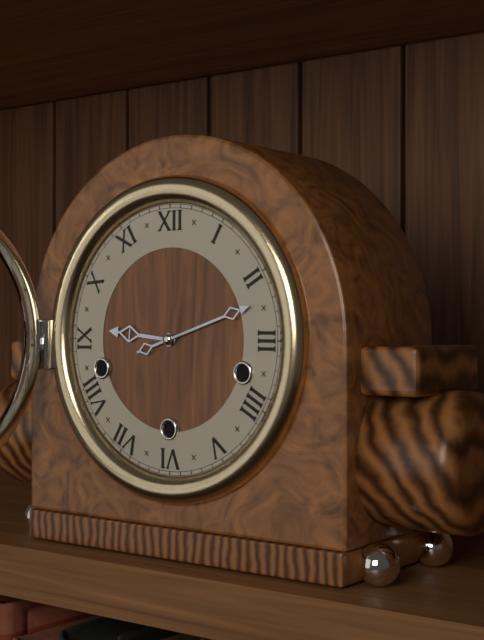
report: 9h12
